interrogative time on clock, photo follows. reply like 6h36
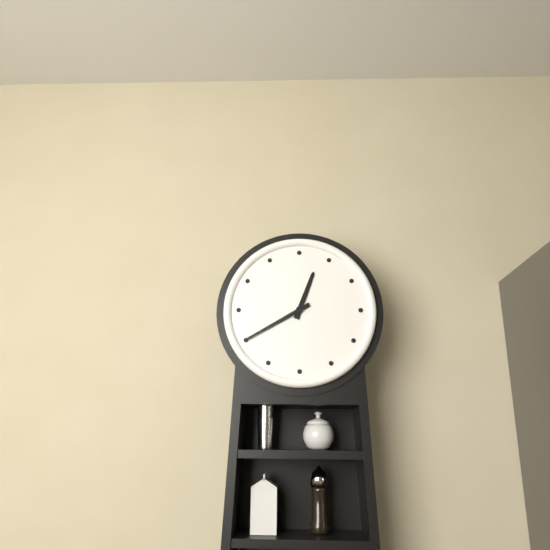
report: 12h40
